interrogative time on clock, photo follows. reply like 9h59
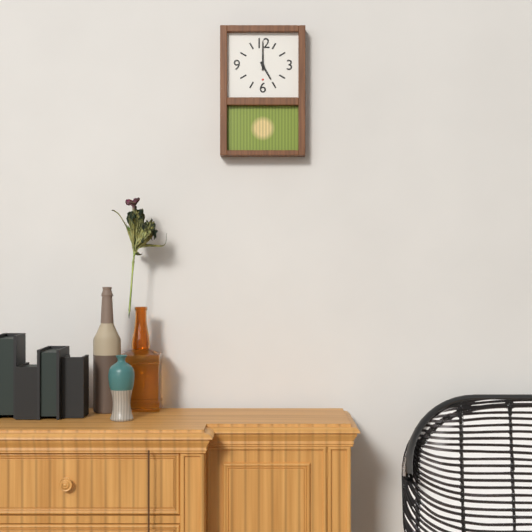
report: 5h00
